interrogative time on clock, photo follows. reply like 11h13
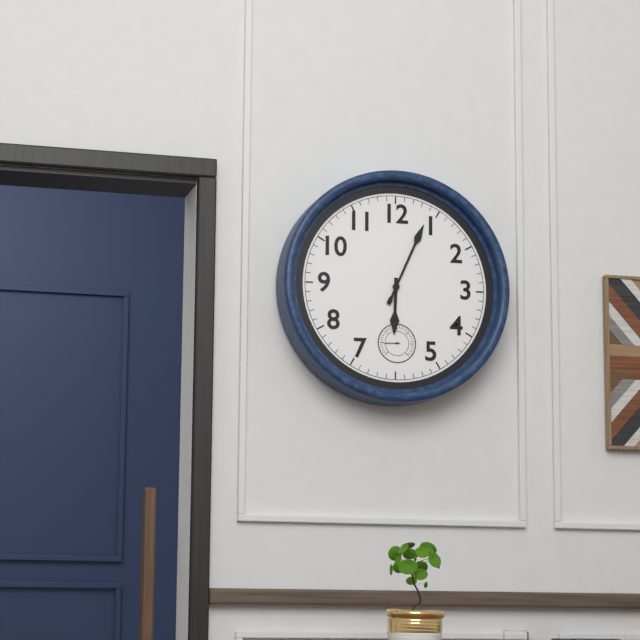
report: 6h04
